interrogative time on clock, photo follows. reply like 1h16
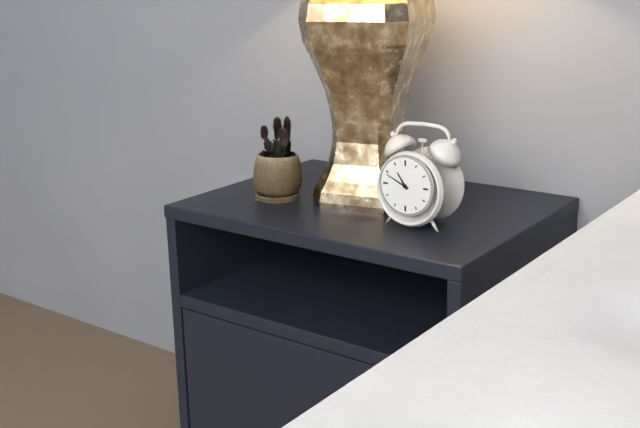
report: 10h49
